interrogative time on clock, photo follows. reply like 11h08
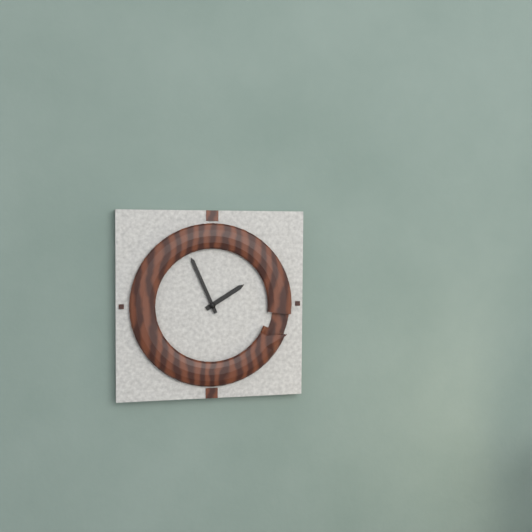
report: 1h56
